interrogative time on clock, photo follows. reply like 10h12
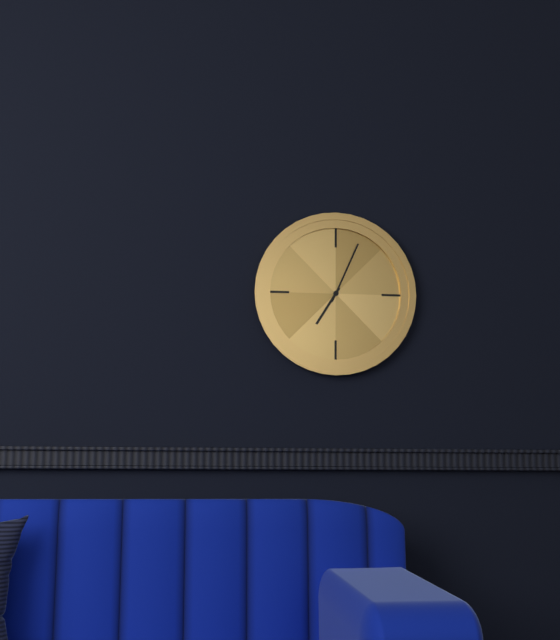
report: 7h04
